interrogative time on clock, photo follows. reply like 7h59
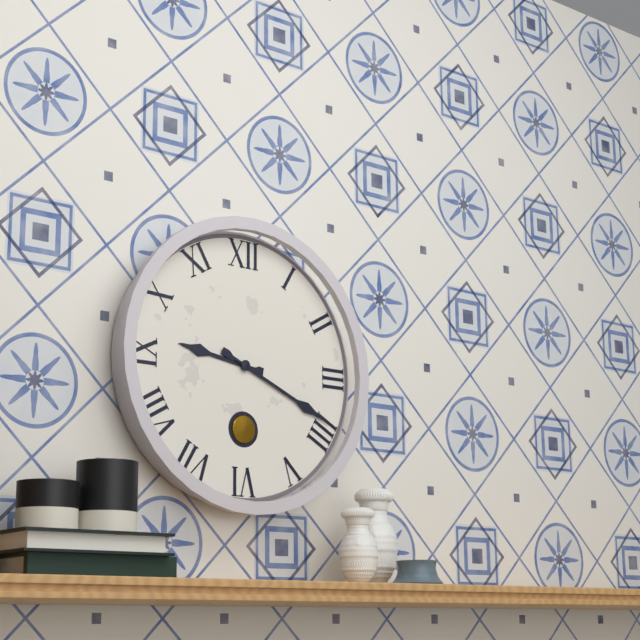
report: 9h19
